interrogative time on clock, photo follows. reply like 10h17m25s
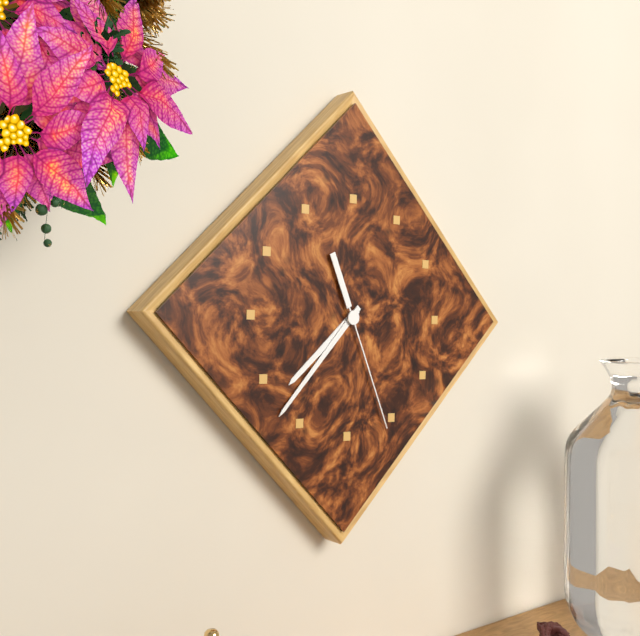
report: 7h37m26s
